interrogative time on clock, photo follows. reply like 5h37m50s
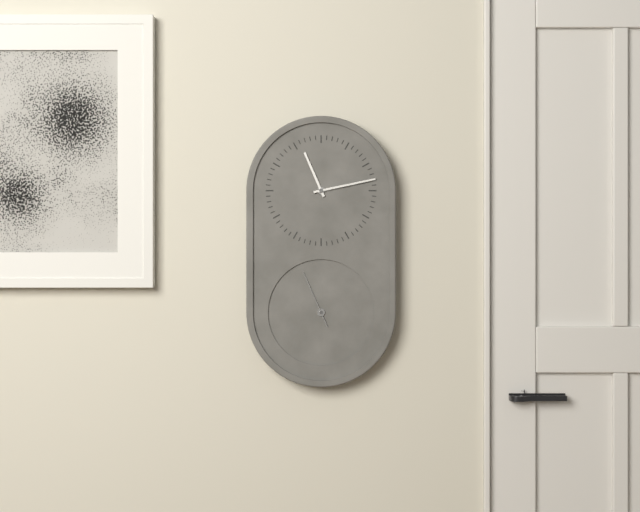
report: 11h13m56s
